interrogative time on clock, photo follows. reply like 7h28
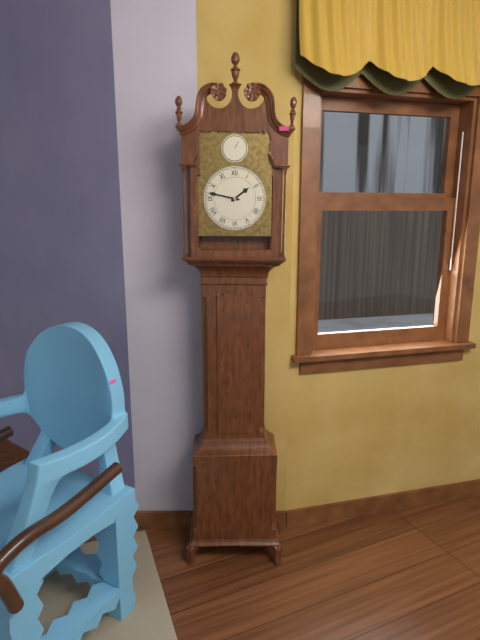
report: 1h47
